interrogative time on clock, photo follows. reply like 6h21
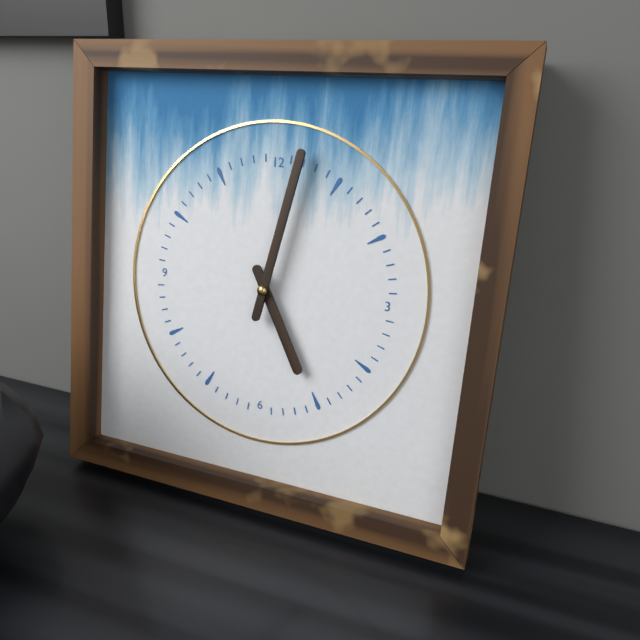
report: 5h02
